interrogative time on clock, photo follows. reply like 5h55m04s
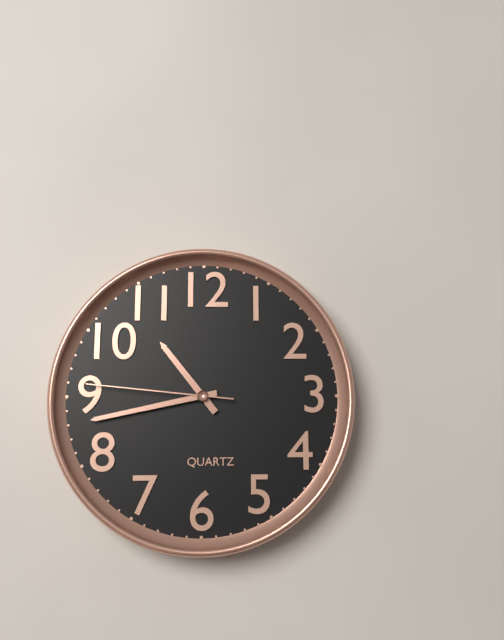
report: 10h43m46s
